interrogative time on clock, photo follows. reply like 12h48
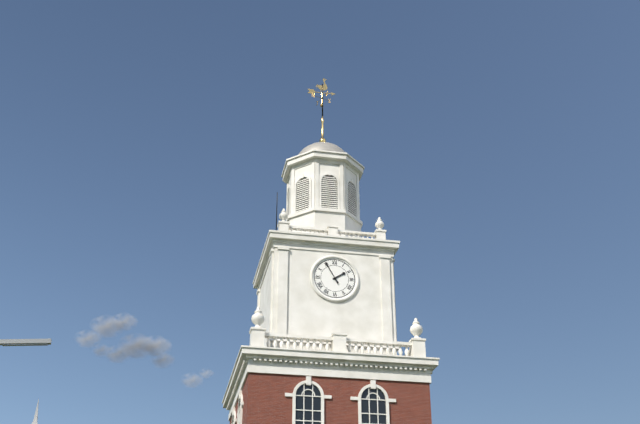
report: 1h55
